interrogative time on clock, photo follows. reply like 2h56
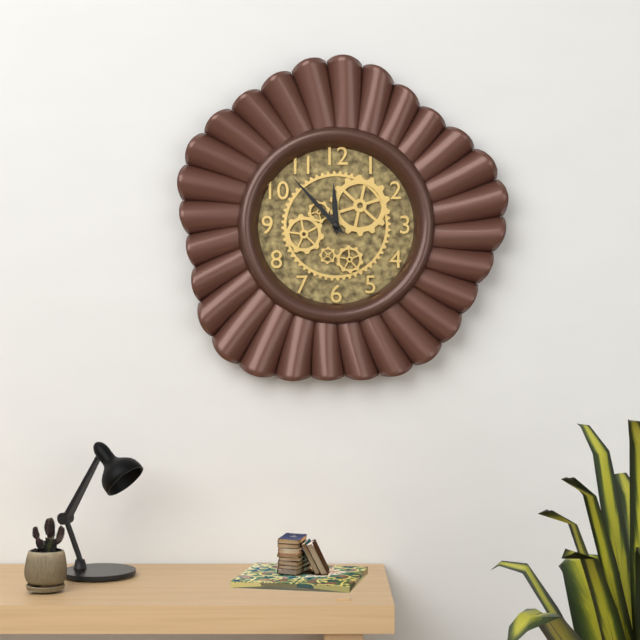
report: 11h53
